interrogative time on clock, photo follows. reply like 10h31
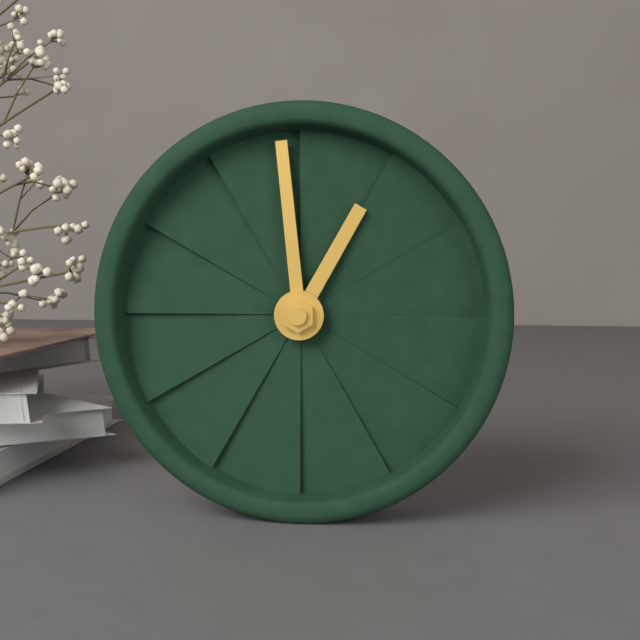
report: 12h59
